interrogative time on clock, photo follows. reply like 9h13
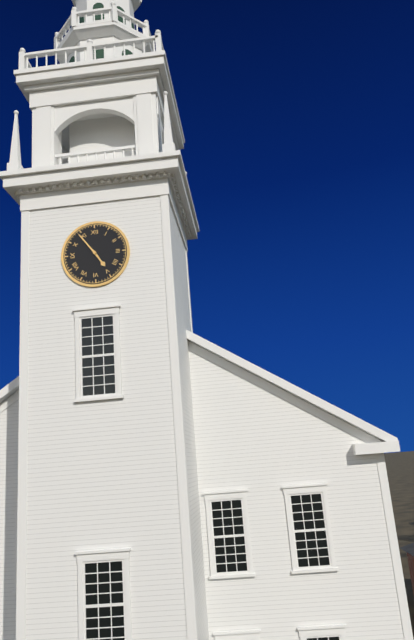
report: 4h54
